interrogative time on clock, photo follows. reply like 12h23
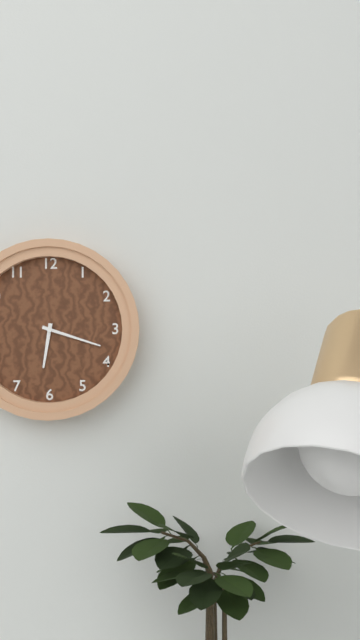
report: 6h18
